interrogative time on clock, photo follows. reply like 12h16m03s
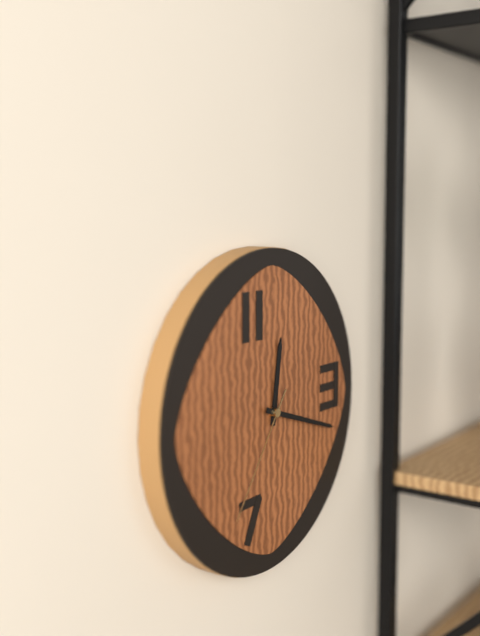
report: 12h18m36s
